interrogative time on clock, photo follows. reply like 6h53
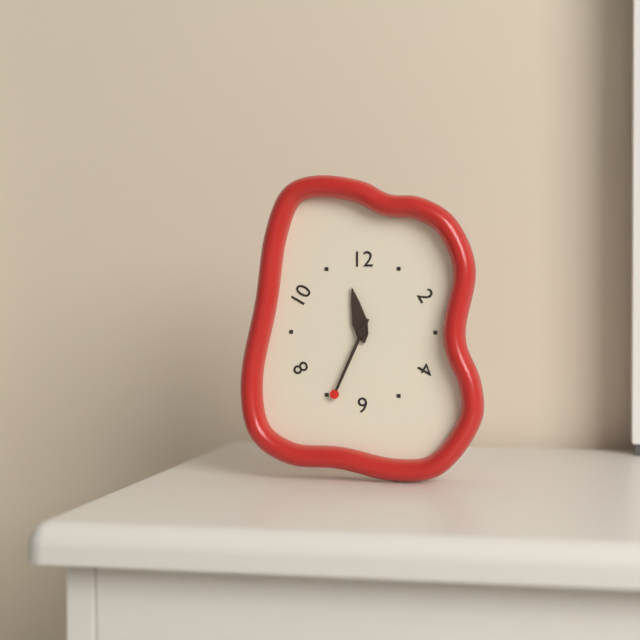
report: 11h34
